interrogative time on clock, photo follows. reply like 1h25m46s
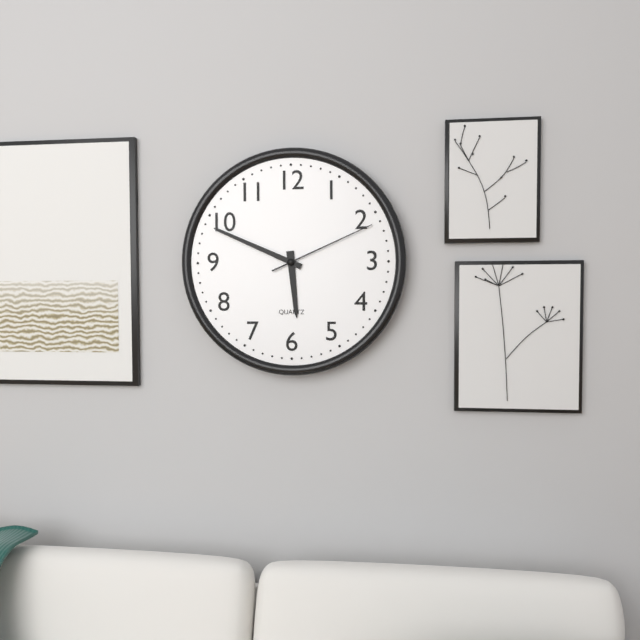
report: 5h49m11s
